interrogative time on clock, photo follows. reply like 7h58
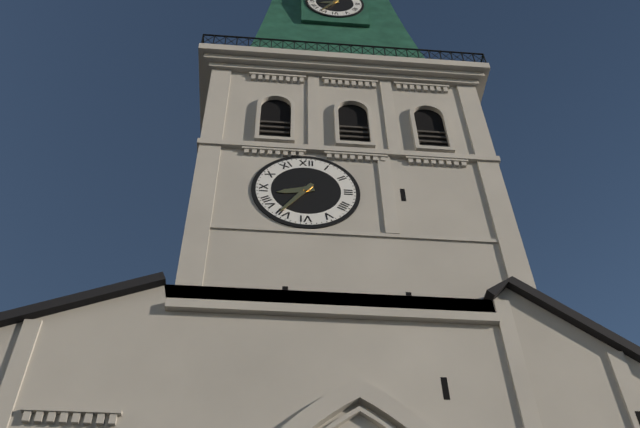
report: 8h36
